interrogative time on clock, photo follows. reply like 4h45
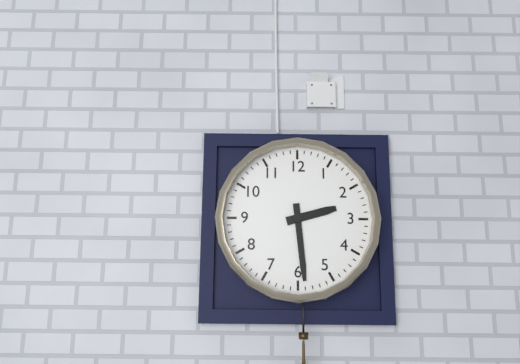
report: 2h29
